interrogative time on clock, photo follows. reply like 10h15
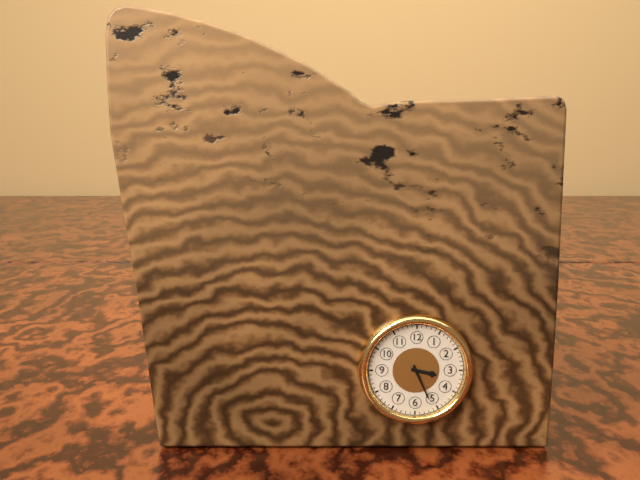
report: 3h26
